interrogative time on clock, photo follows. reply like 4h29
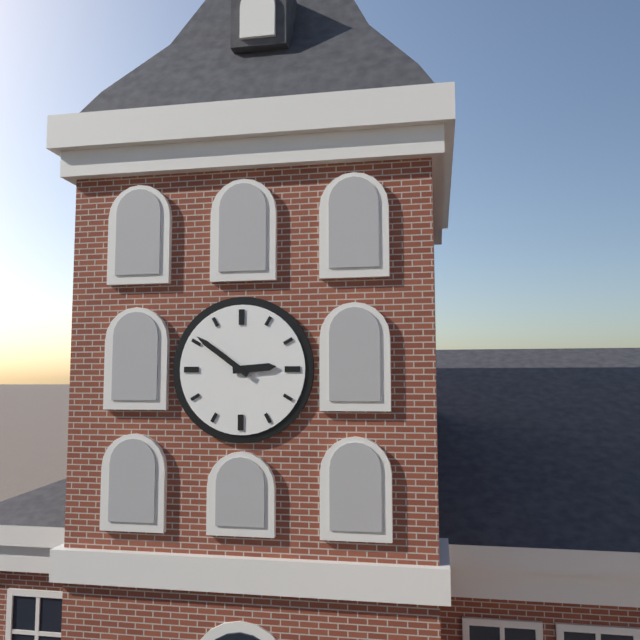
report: 2h51
